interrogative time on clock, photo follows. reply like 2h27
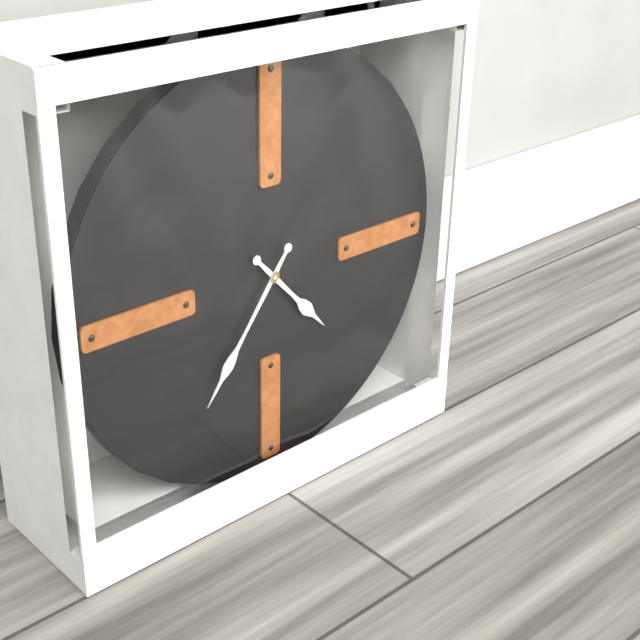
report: 4h36
